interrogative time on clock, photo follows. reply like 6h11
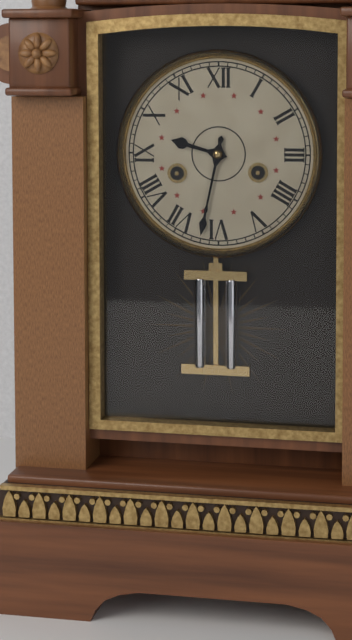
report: 9h32
